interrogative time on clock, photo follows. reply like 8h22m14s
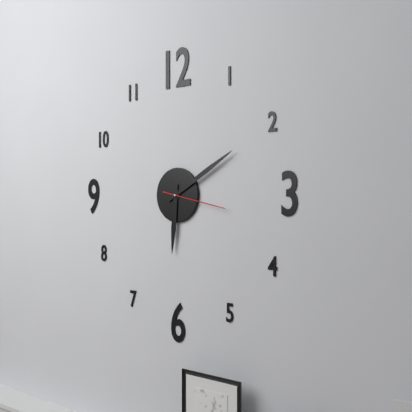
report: 6h10m17s
